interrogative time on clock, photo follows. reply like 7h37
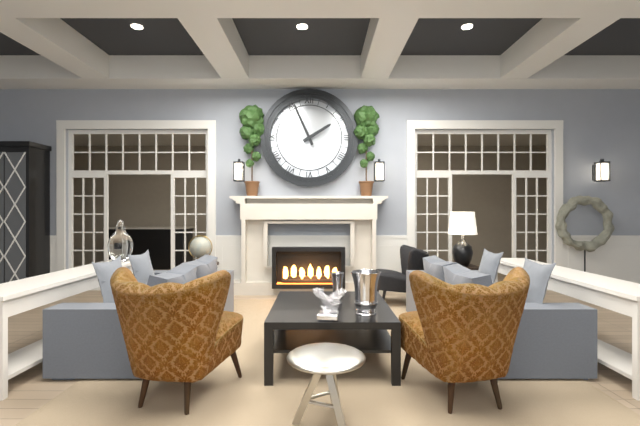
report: 1h56
